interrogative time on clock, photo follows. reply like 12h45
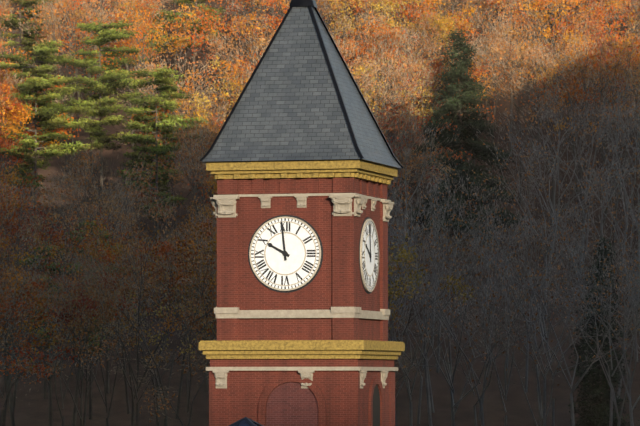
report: 9h59
